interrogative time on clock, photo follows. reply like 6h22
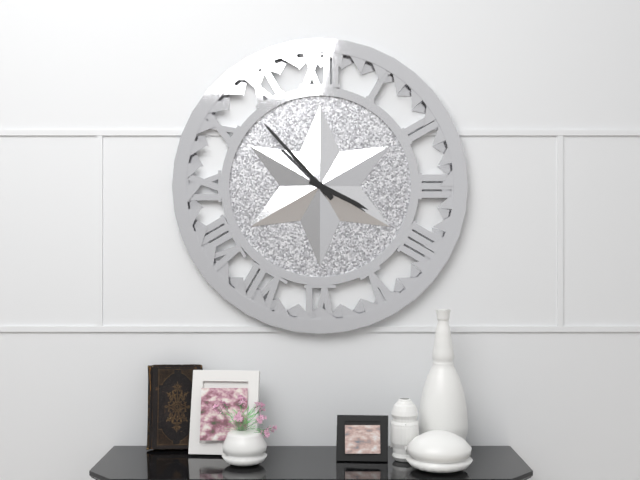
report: 3h53
